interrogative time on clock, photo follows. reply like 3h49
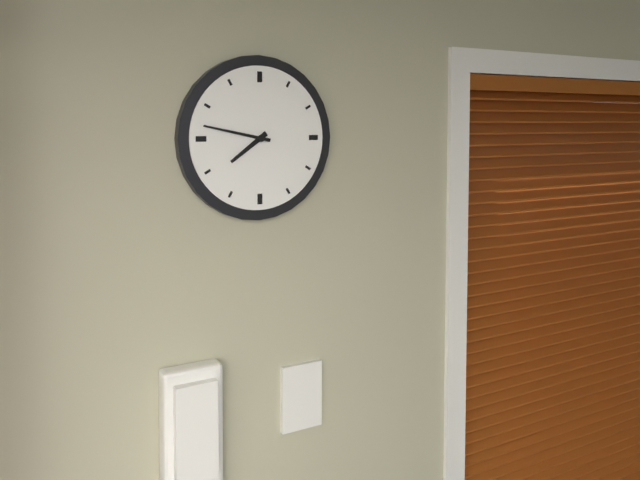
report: 7h47
